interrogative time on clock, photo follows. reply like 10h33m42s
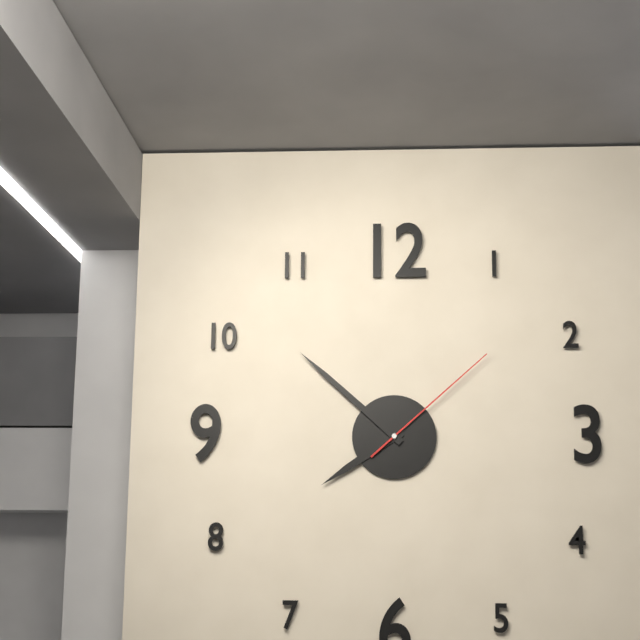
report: 7h52m08s
